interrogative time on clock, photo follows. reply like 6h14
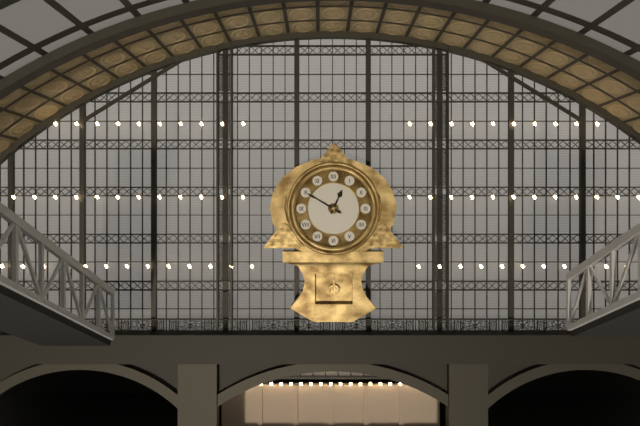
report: 12h50
